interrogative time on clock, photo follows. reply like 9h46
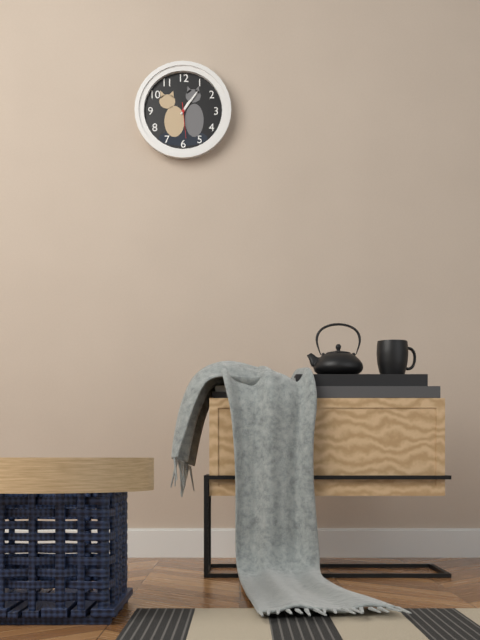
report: 1h06
